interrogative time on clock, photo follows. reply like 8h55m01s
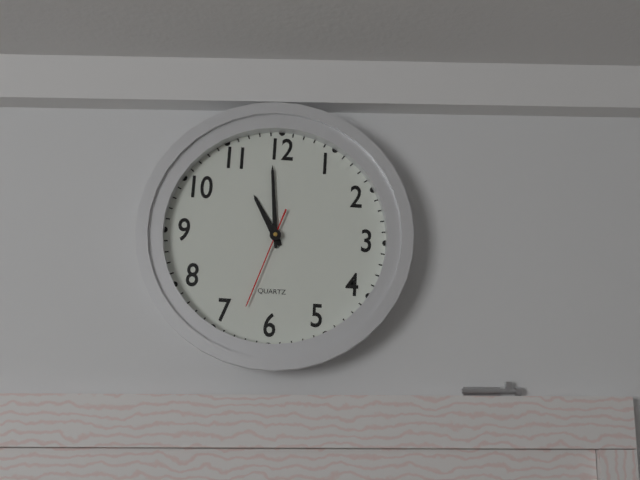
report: 10h59m33s
